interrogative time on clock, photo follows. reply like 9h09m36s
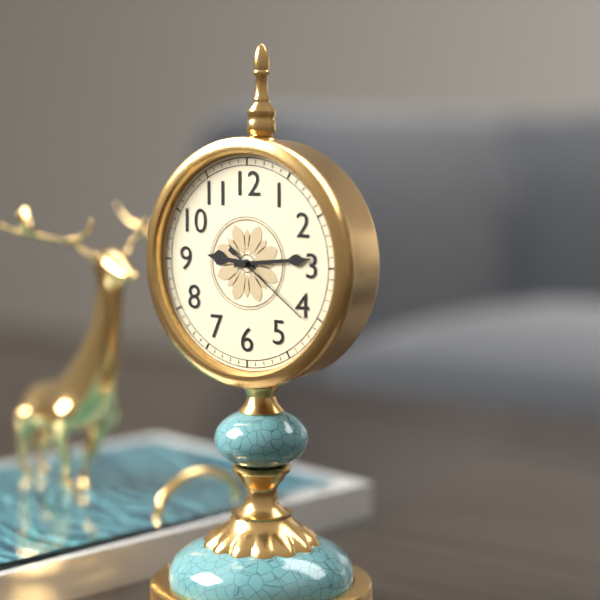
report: 9h14m21s
